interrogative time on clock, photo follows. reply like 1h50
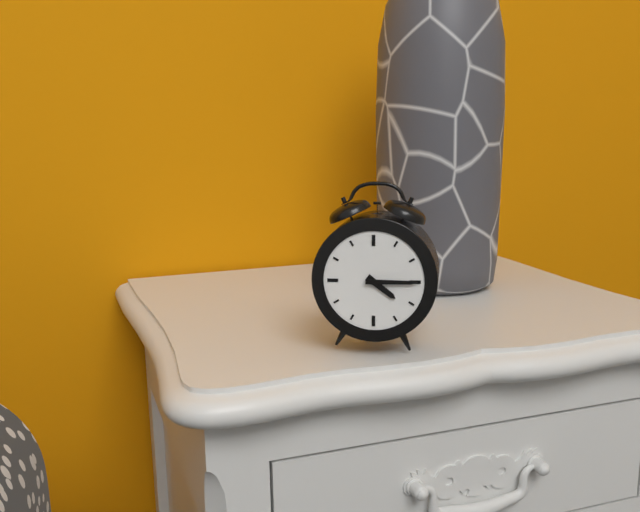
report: 4h15
